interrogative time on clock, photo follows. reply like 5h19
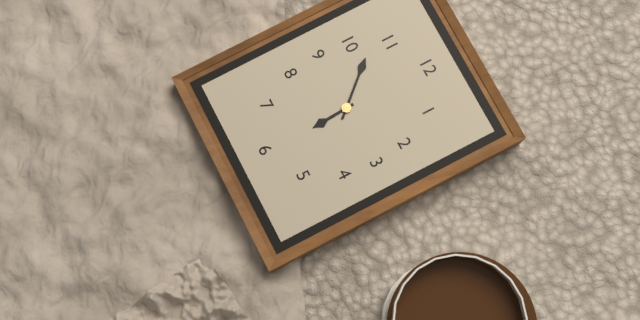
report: 5h53
